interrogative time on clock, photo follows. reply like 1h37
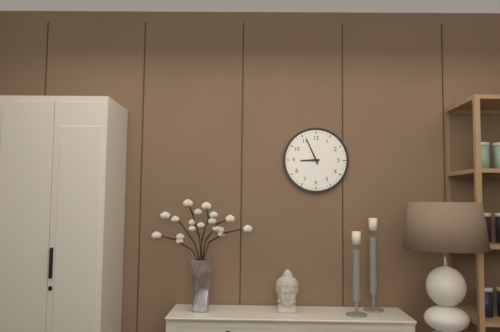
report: 8h56
